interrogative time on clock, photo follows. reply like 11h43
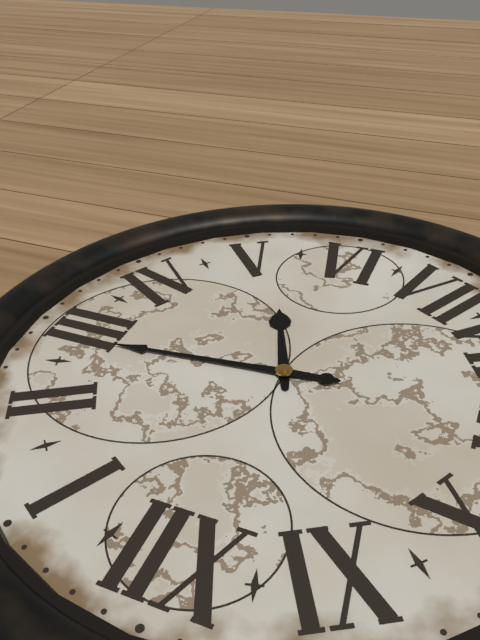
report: 5h14
